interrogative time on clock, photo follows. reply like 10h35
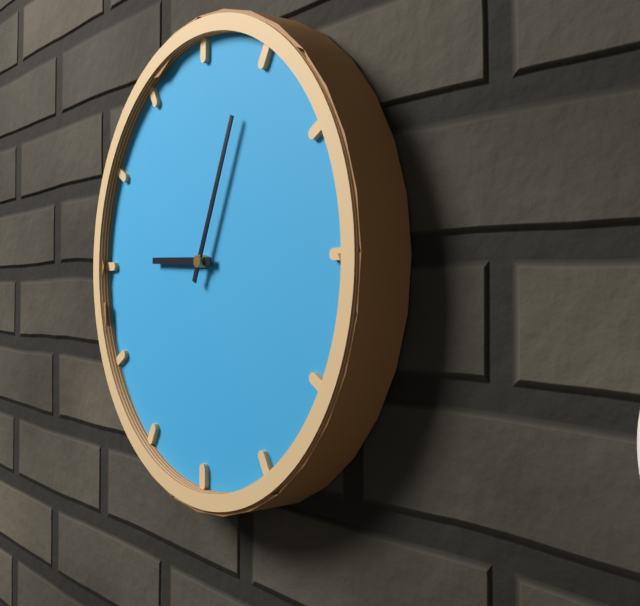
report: 9h04
